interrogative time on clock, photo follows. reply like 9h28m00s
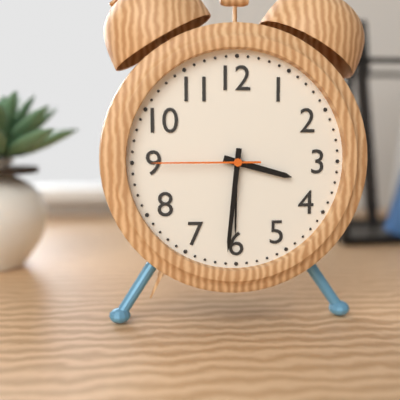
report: 3h31m45s
